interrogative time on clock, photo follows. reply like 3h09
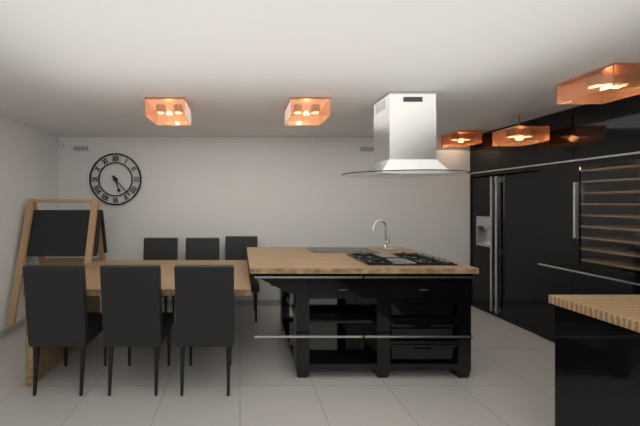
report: 5h23
